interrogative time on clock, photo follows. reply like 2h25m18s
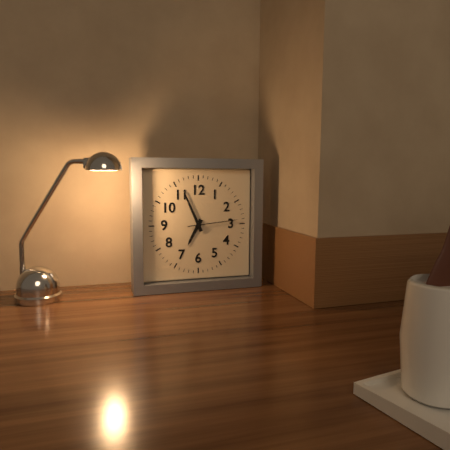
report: 6h56m14s
